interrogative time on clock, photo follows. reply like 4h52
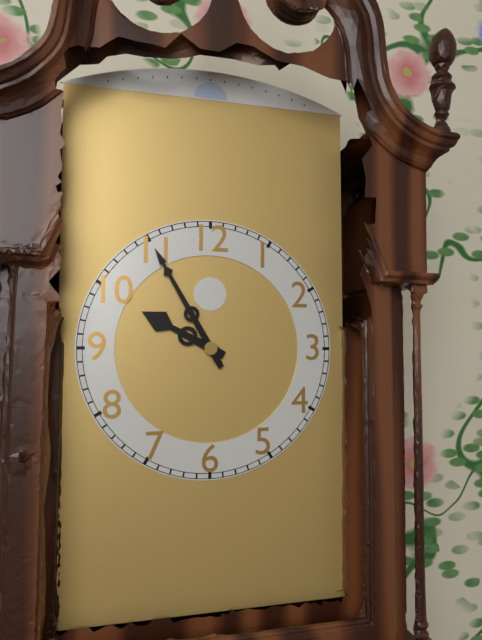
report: 9h55
